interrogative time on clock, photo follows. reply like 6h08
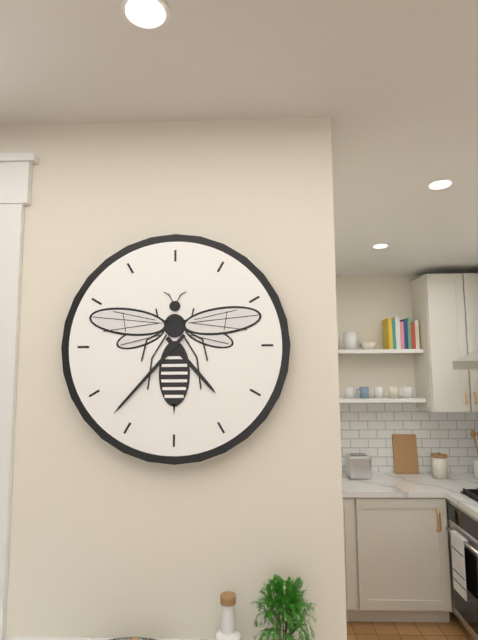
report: 4h37
